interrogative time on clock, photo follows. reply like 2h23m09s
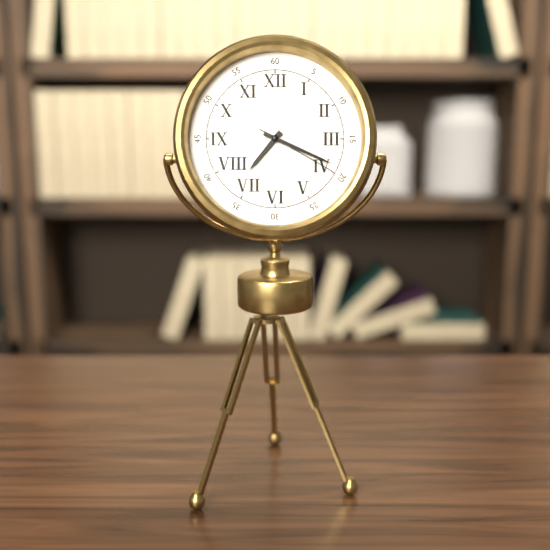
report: 7h19m20s
